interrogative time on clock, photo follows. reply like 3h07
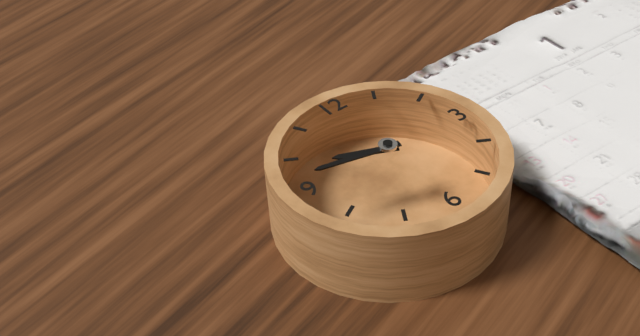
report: 9h47
